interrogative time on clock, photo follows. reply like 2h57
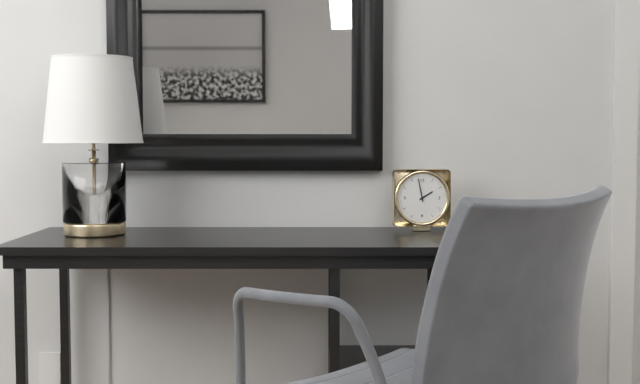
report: 1h58
